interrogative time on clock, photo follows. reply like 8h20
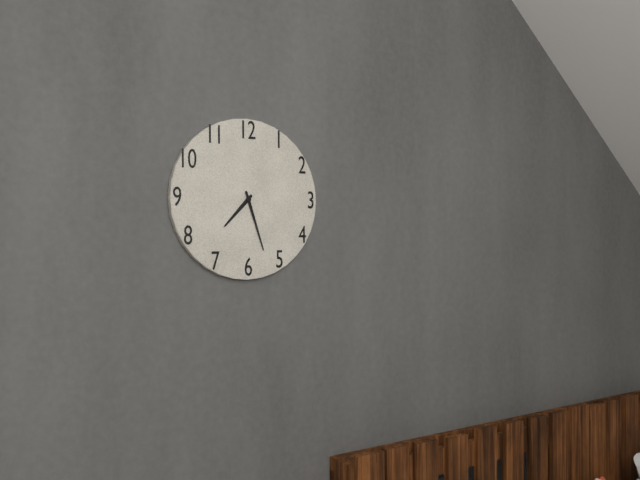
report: 7h27
